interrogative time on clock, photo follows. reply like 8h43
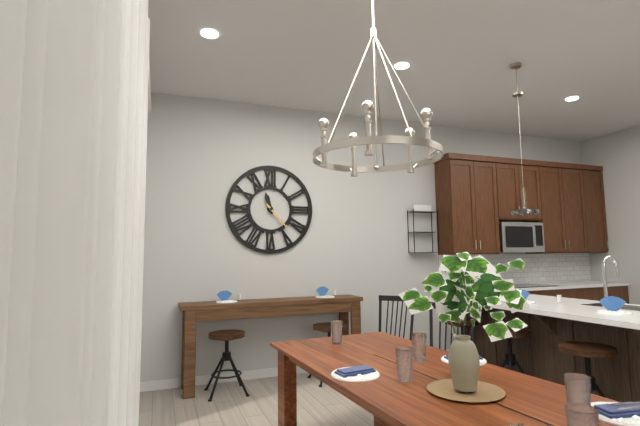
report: 11h23
